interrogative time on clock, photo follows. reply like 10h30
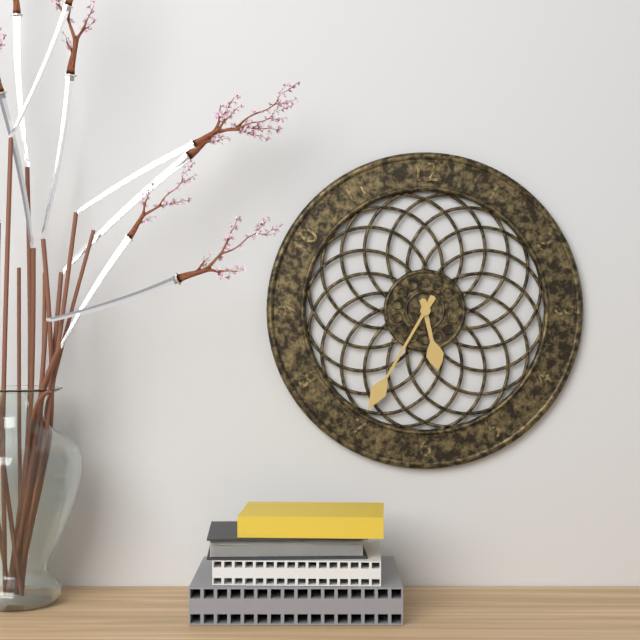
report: 5h35
